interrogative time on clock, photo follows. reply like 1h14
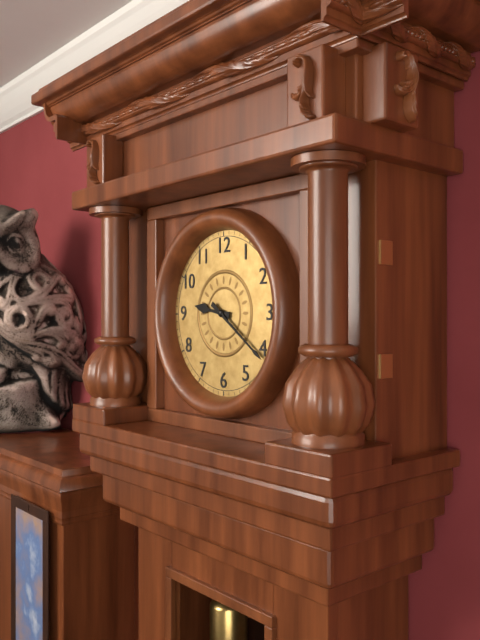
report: 9h21
